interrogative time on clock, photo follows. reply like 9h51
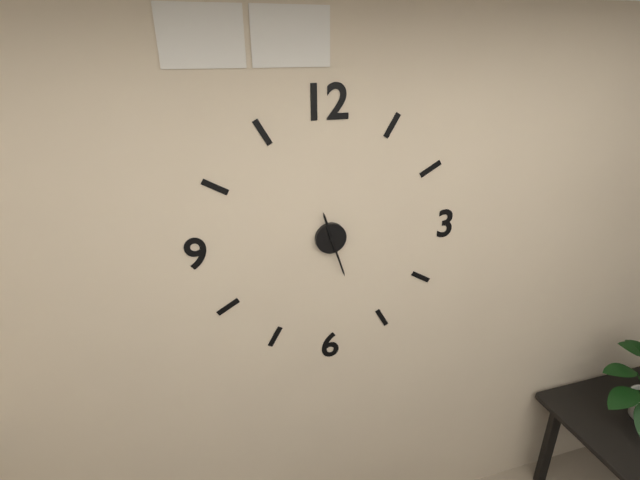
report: 11h27
